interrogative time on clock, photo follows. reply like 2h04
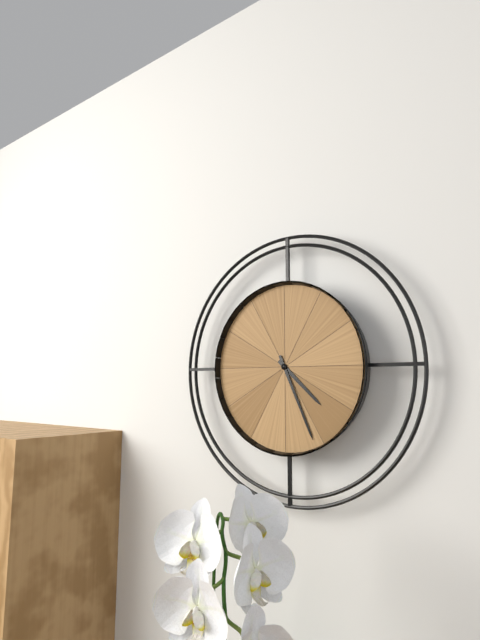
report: 4h26
